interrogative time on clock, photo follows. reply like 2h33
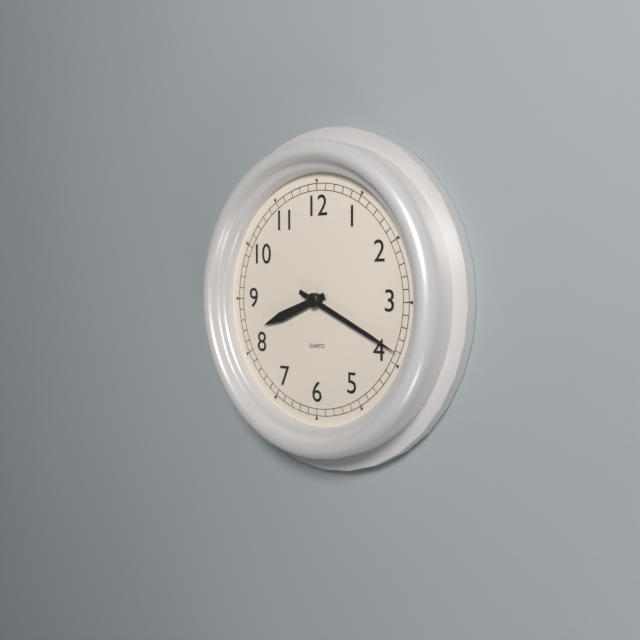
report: 8h19
